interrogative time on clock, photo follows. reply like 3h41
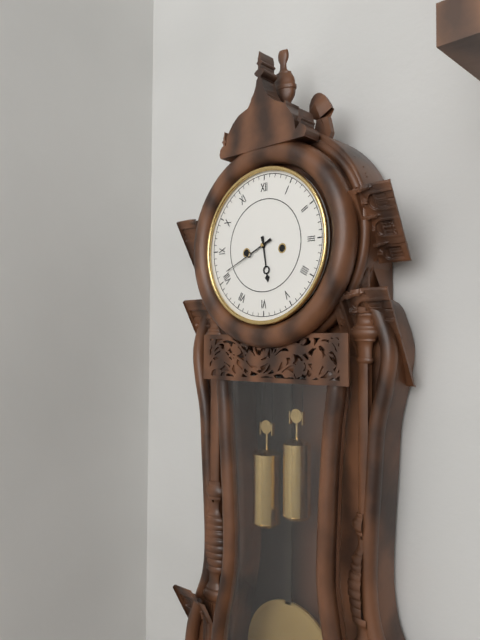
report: 5h41
